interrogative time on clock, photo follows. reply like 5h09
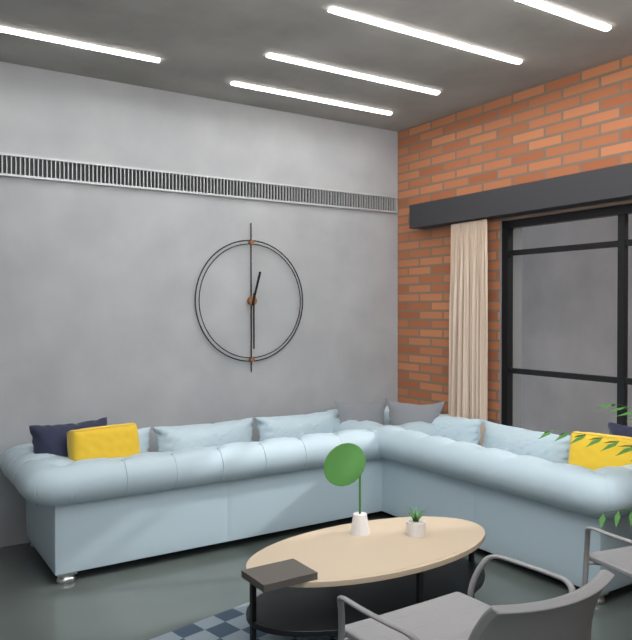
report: 12h30
